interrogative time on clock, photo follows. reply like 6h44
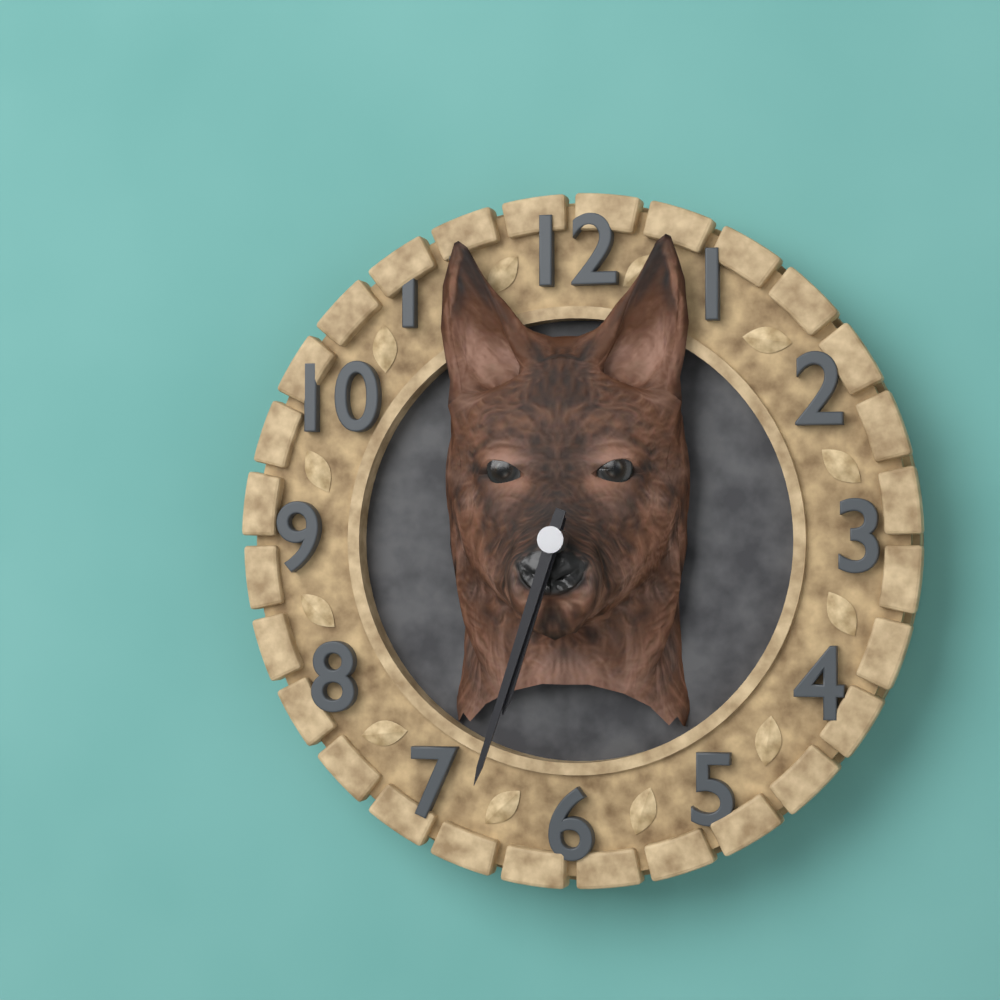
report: 6h33
